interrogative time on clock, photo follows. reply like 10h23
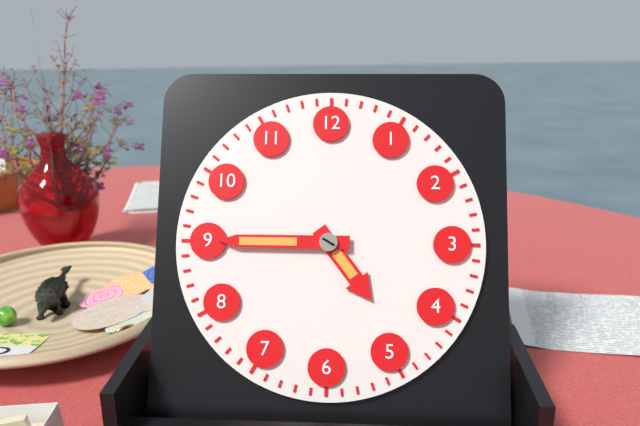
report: 4h45
